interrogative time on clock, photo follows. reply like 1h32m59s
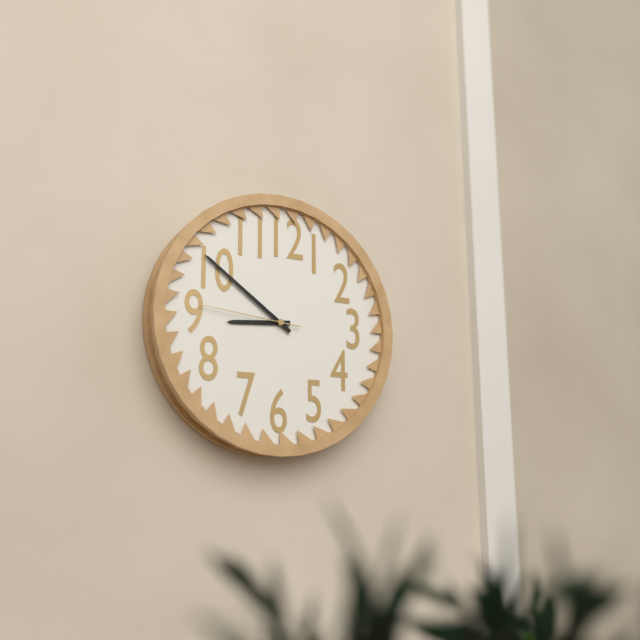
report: 8h51m46s
